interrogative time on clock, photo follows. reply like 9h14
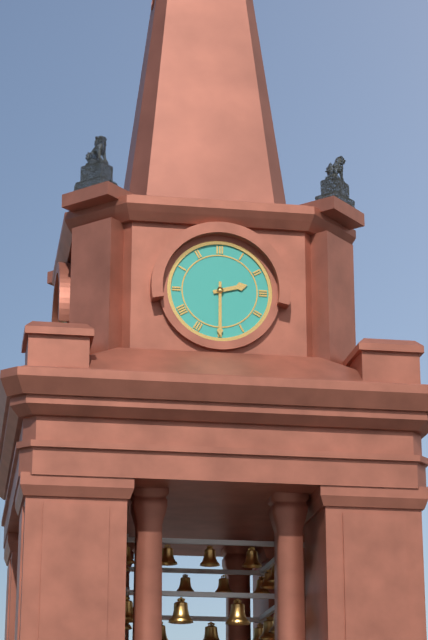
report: 2h30
